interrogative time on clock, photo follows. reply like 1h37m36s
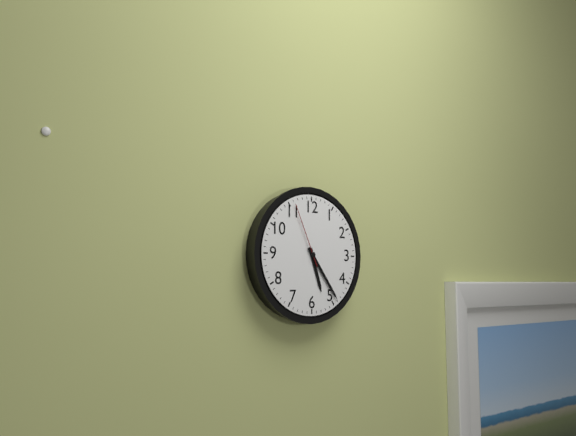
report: 5h24m56s
